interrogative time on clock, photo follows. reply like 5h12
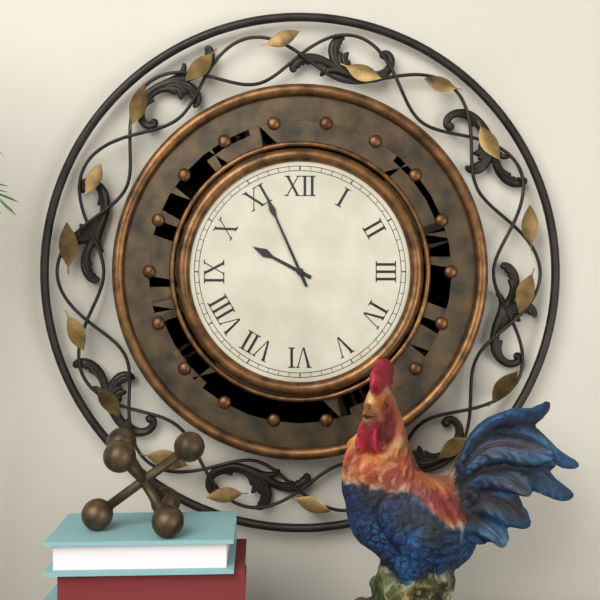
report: 9h56
